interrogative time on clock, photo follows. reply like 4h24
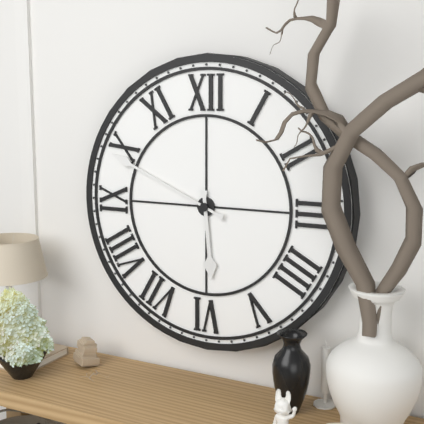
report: 5h49
